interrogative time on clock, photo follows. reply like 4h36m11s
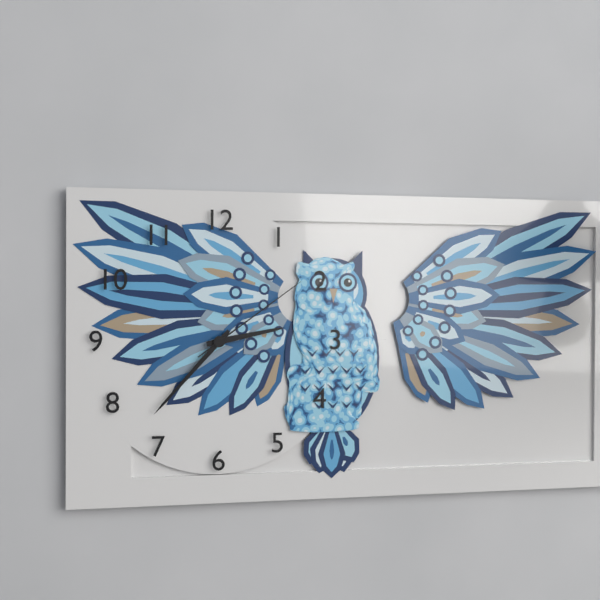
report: 2h37m09s
